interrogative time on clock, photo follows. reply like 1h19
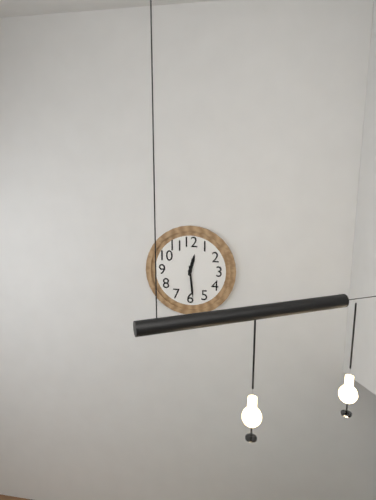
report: 12h29
